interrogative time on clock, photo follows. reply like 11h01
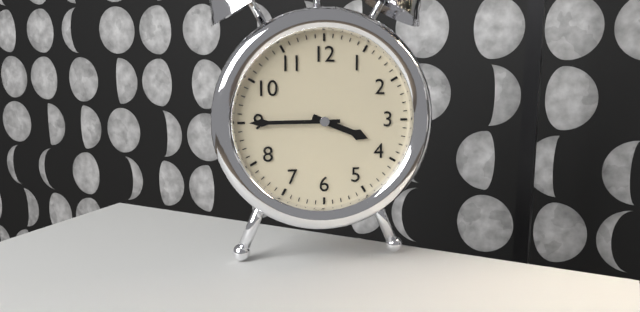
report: 3h45
